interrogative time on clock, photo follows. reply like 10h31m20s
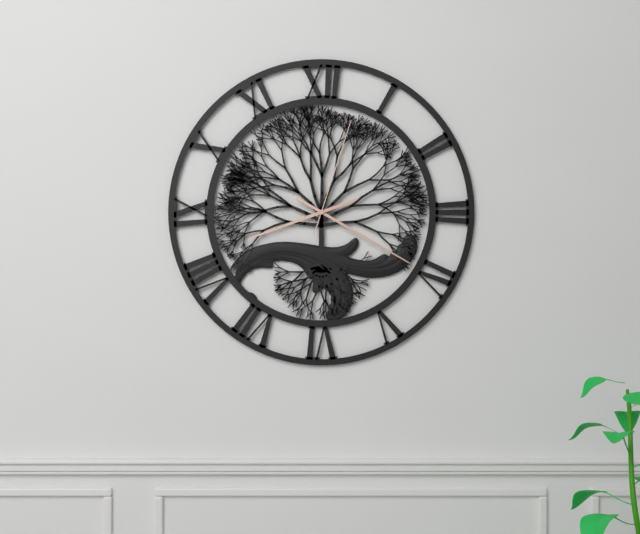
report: 8h20m03s
